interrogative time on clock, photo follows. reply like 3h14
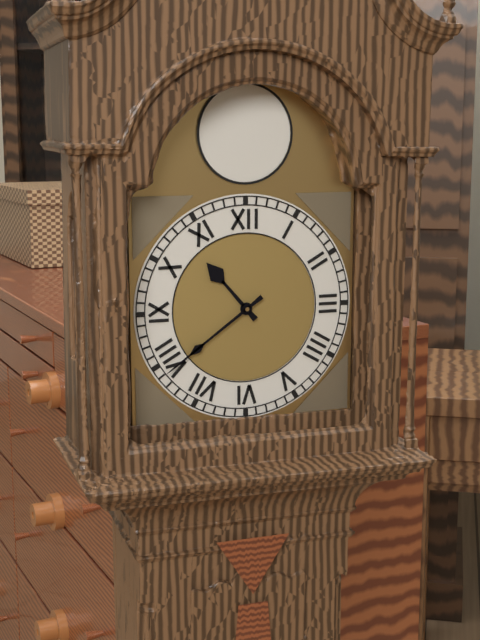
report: 10h39
